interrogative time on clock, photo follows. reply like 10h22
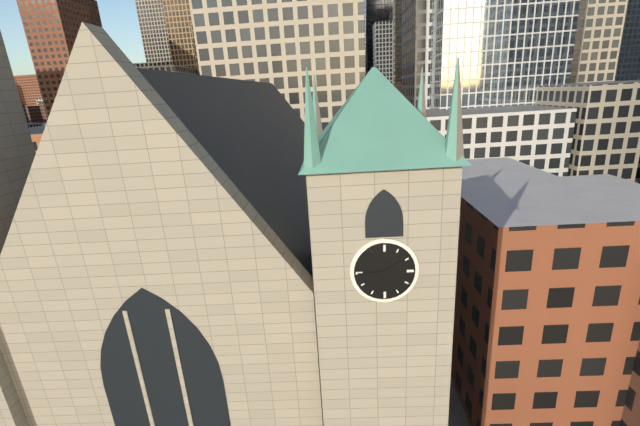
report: 1h45
